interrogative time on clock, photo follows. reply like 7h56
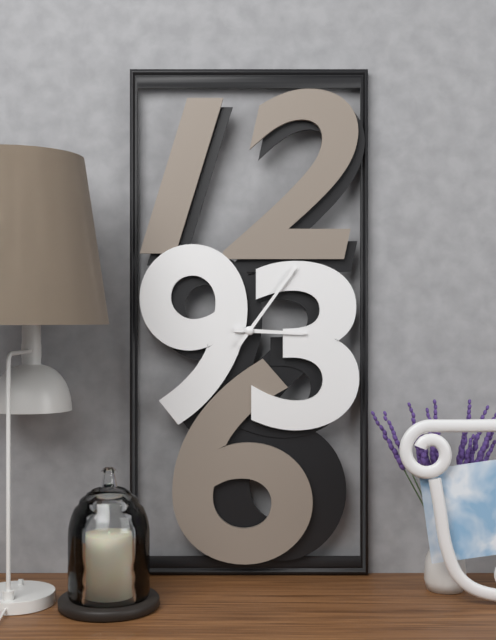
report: 3h06
